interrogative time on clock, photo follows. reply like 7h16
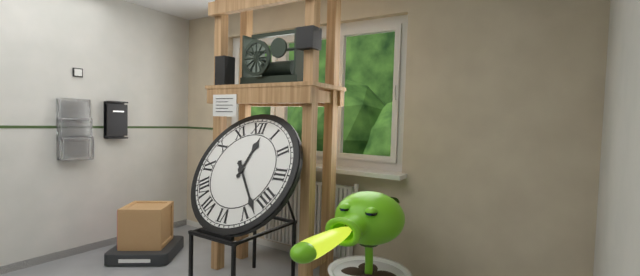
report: 12h23
